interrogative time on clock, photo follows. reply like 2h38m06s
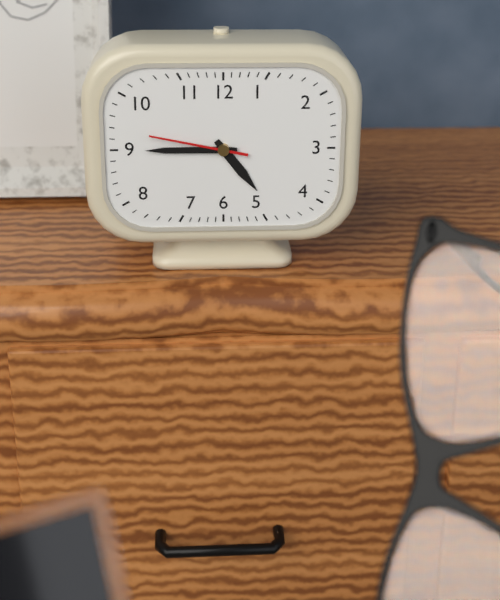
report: 4h45m47s
